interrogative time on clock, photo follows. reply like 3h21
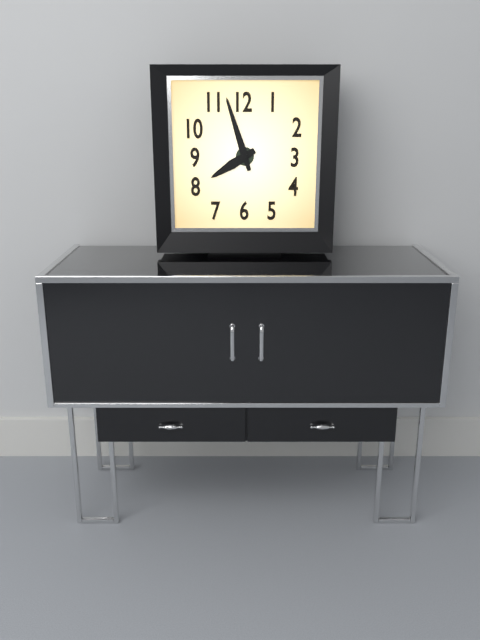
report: 7h57
